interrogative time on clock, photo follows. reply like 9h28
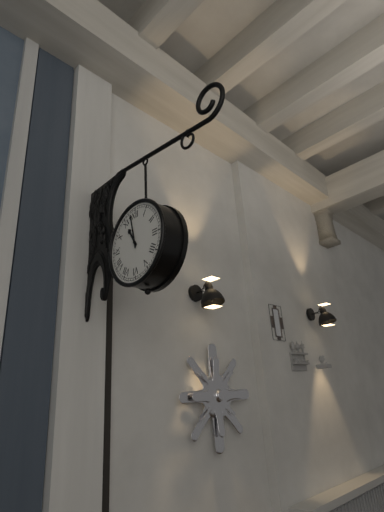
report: 10h58
